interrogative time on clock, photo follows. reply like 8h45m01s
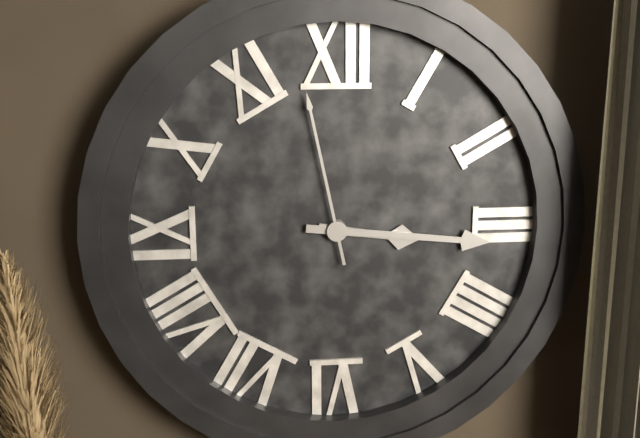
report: 3h16m58s
